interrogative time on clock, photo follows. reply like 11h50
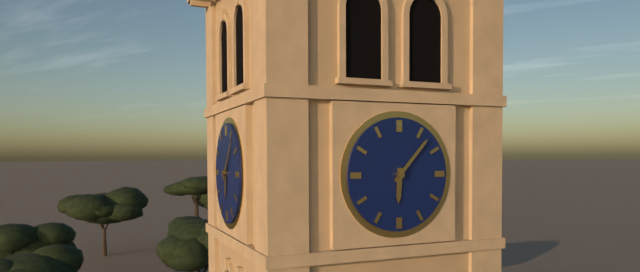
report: 6h07
